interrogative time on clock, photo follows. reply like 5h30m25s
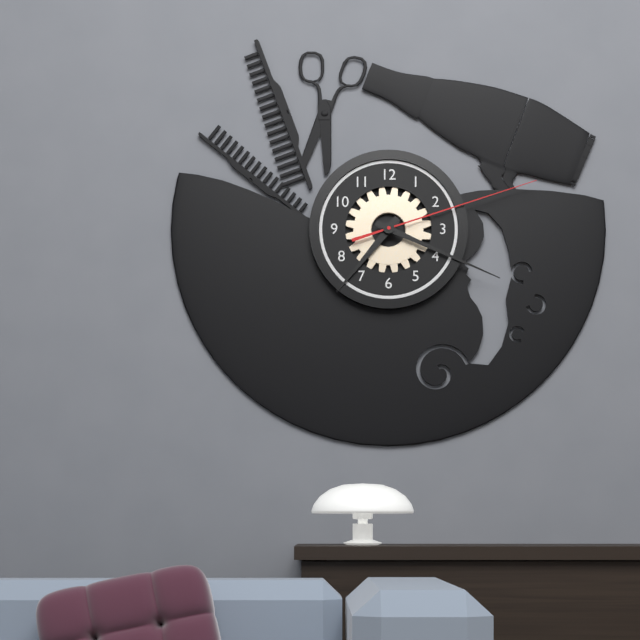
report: 7h19m12s
